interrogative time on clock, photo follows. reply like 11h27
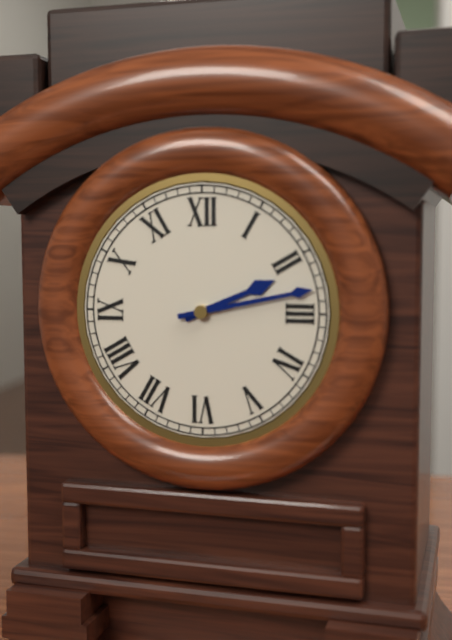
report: 2h13
